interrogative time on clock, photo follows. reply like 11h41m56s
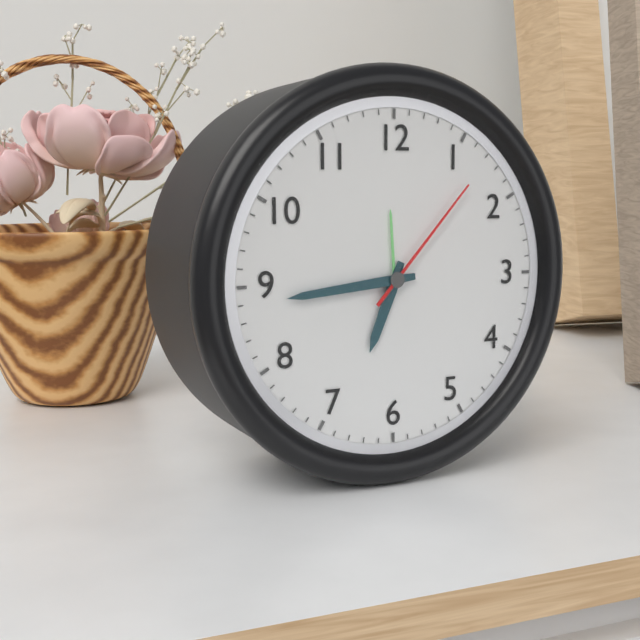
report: 6h44m07s
